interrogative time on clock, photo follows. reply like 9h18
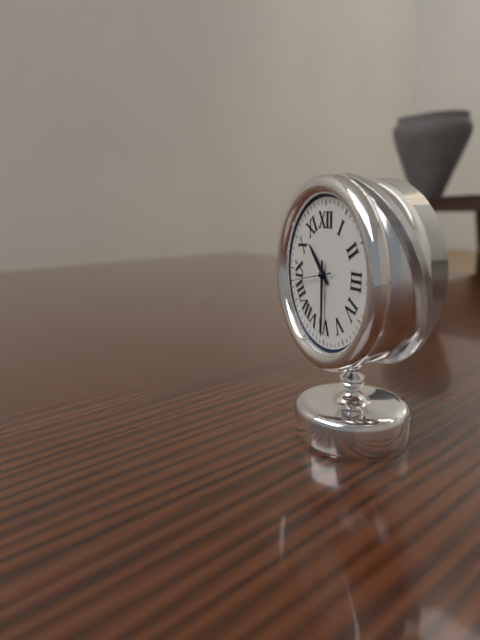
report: 10h30
